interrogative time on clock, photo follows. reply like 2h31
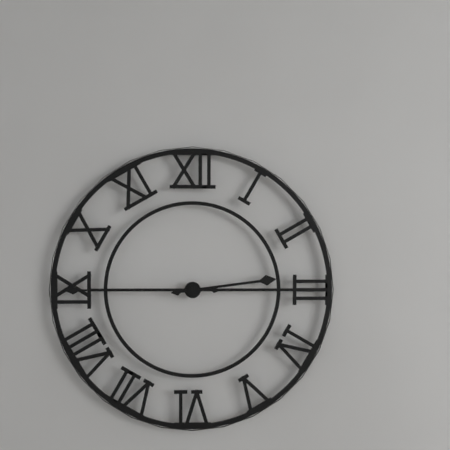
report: 2h45
